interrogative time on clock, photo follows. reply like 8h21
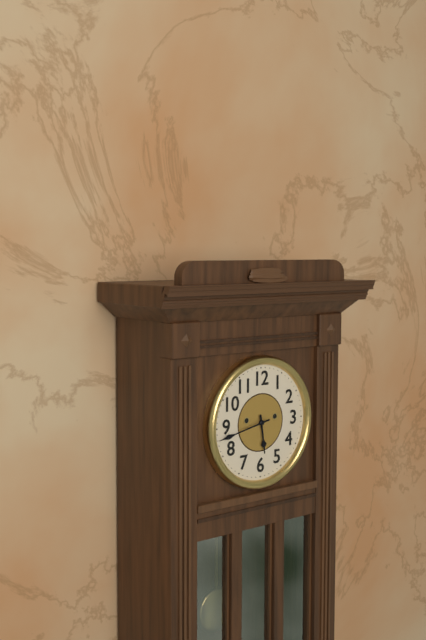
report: 5h43
